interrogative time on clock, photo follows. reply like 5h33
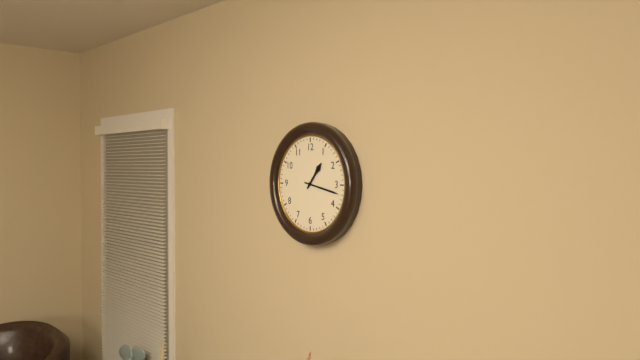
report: 1h17
